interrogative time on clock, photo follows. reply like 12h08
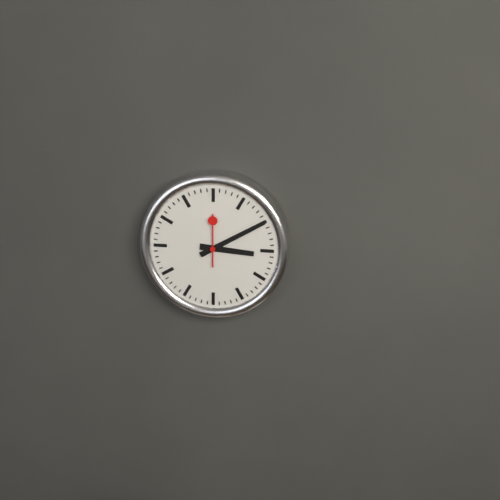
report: 3h10
